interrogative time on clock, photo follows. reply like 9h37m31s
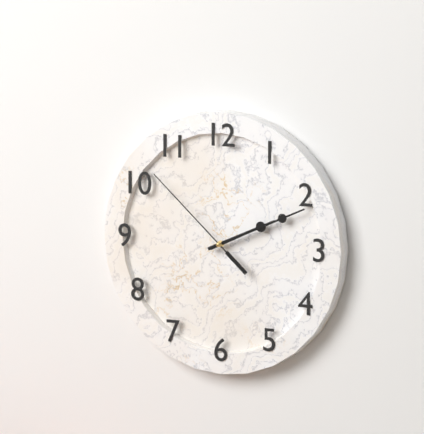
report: 2h11m52s
